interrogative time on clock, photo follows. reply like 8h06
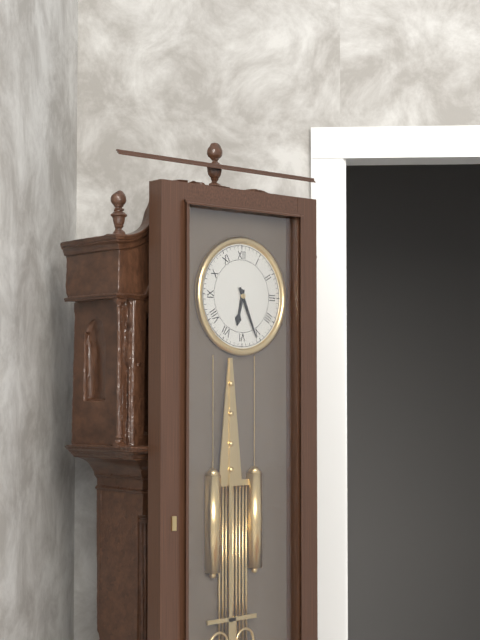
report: 6h26
